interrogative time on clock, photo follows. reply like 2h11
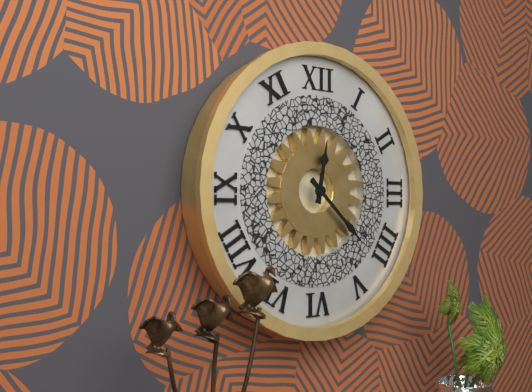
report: 12h22
